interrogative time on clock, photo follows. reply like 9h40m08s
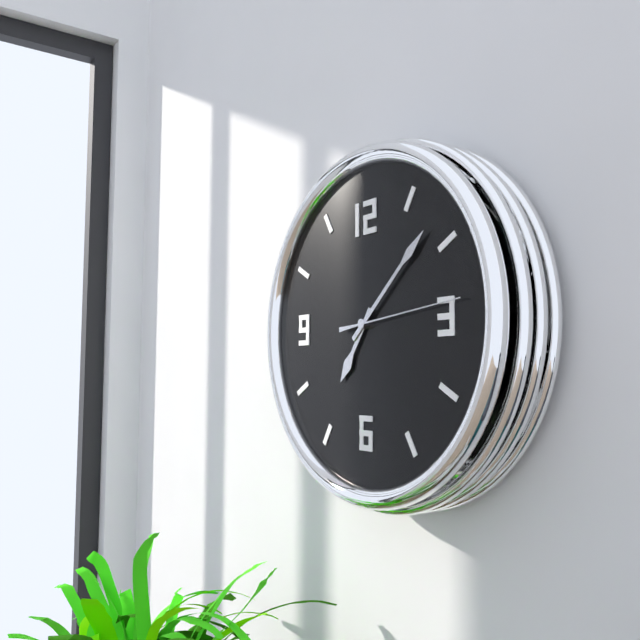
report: 7h08m14s
